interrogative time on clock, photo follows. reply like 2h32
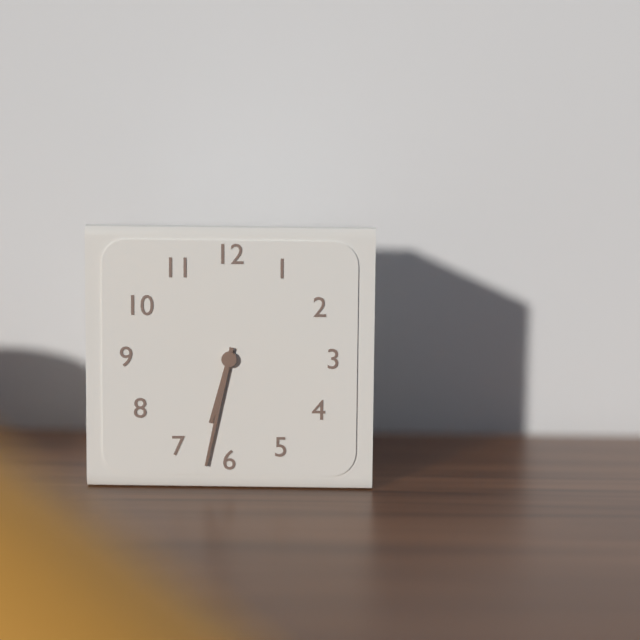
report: 6h32
